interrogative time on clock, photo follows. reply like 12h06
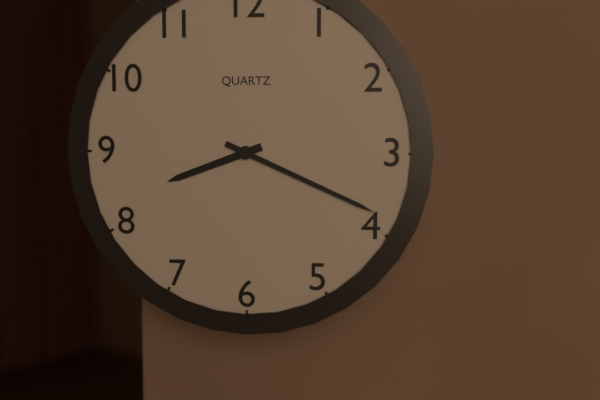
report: 8h19
